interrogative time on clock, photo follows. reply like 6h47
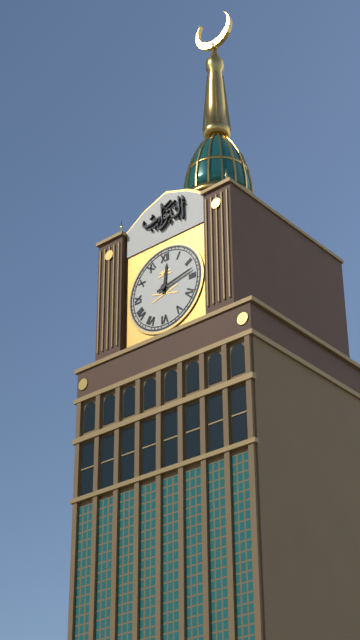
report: 12h13
